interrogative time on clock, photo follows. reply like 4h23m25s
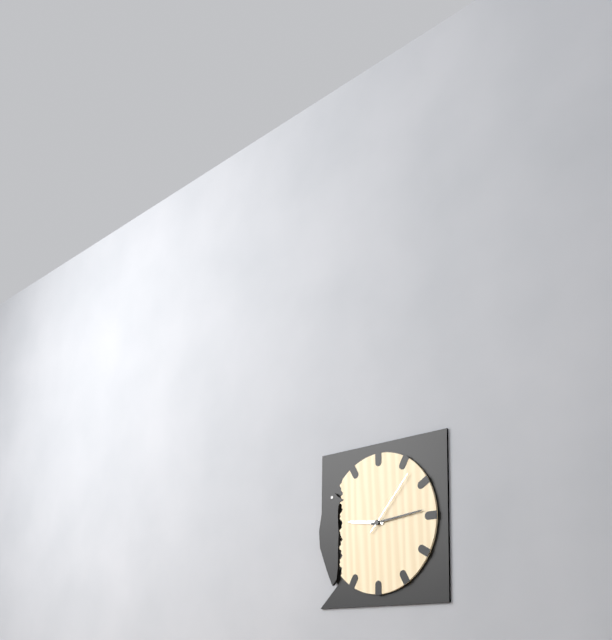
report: 9h14m07s
